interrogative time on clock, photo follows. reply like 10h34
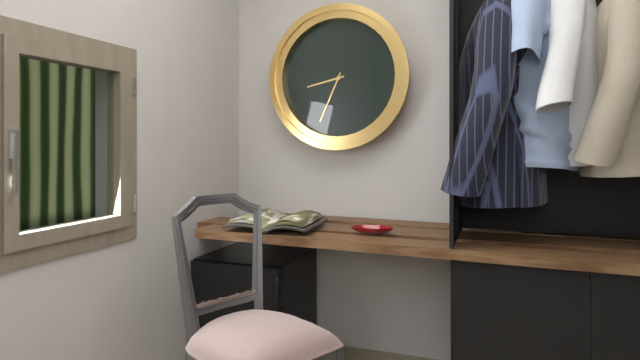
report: 8h34
